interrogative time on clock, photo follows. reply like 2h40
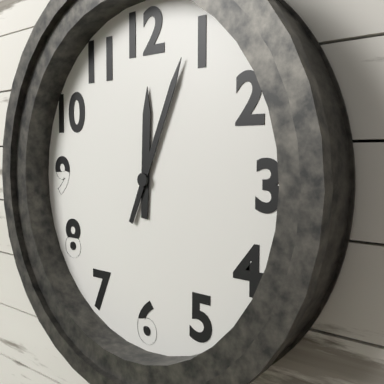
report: 12h04
